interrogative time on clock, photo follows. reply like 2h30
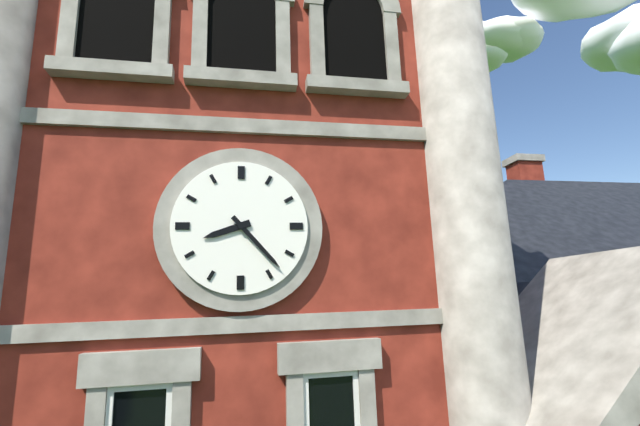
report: 8h23
